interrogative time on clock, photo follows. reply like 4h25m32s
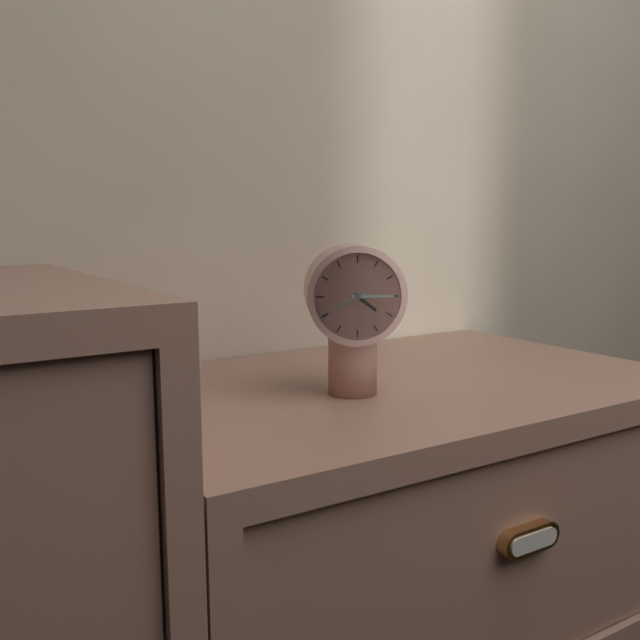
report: 4h15m41s
